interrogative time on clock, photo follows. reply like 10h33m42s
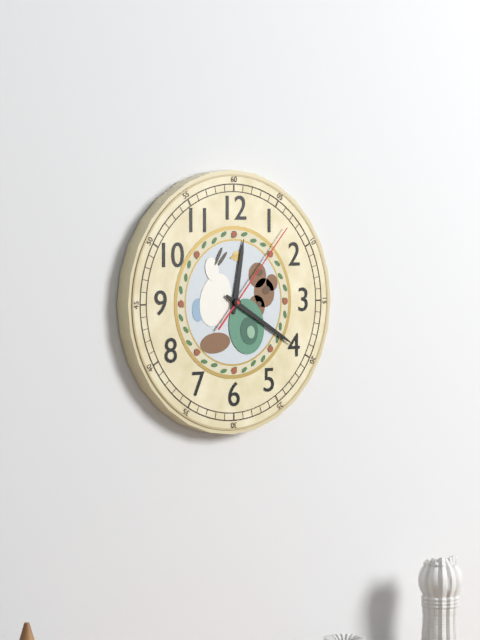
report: 12h20m07s
